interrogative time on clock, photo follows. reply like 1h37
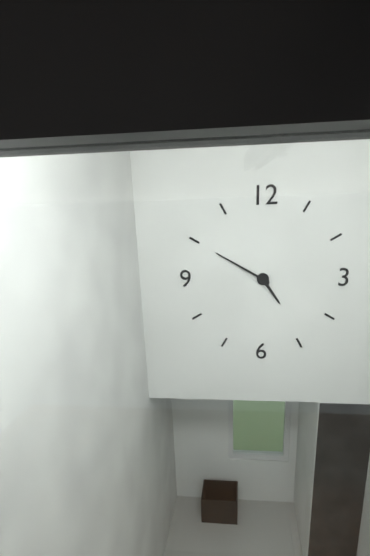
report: 4h50
